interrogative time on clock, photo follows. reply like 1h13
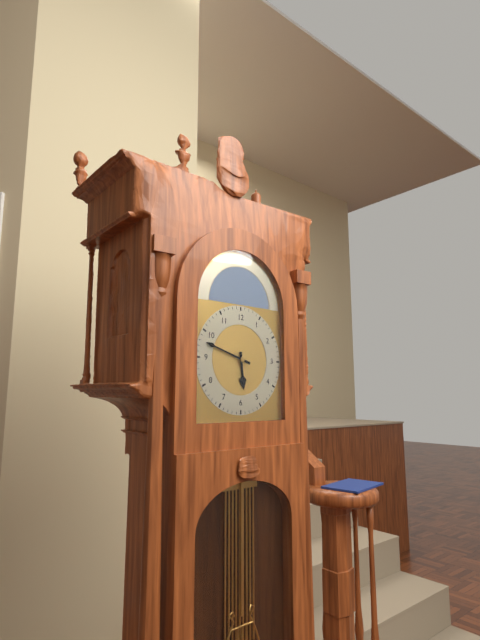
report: 5h48
